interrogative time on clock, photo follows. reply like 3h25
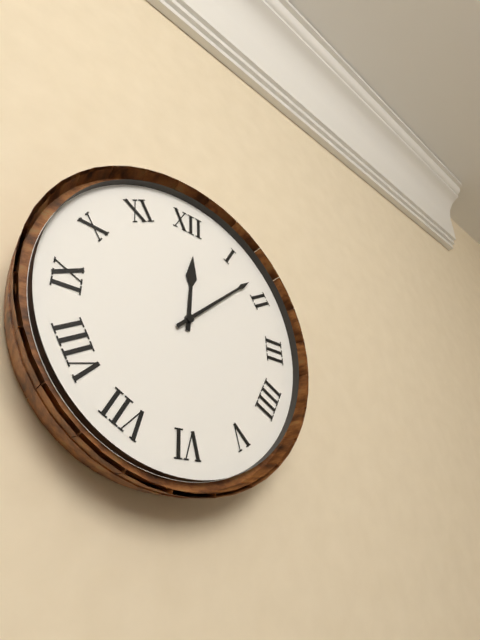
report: 12h08
